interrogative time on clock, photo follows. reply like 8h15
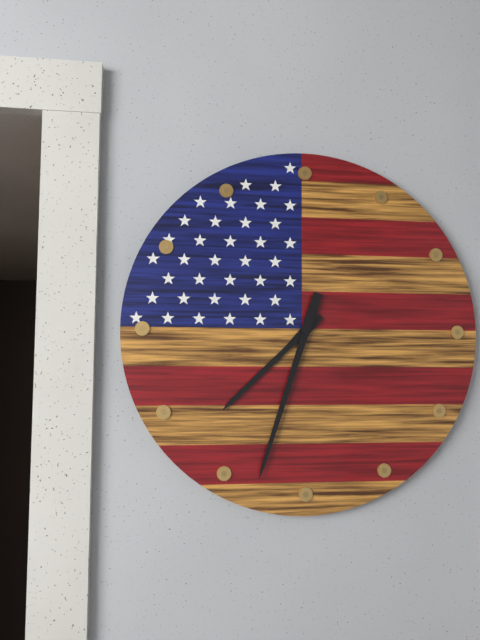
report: 7h33
